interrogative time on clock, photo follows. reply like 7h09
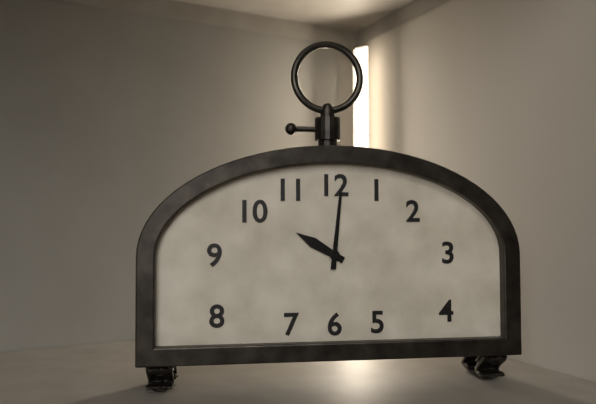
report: 10h01
